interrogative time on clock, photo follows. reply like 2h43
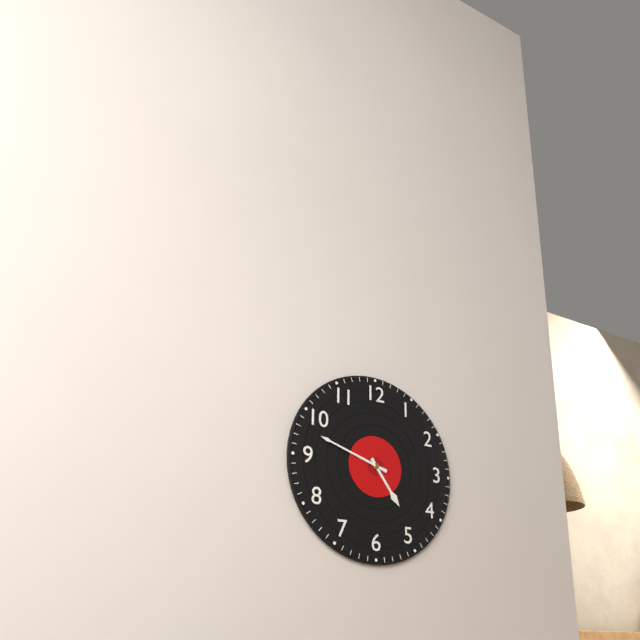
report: 4h48
